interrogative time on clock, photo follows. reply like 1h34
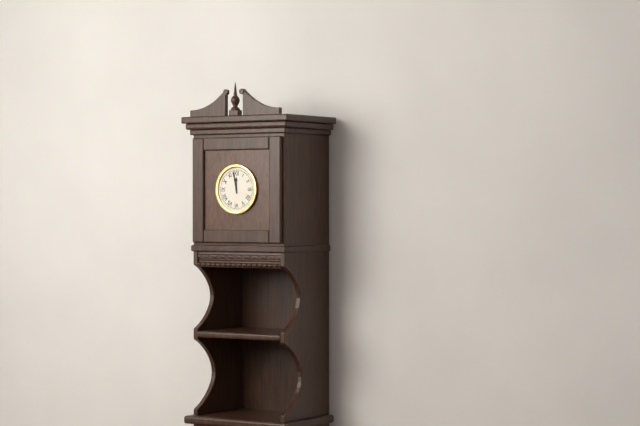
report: 11h58
